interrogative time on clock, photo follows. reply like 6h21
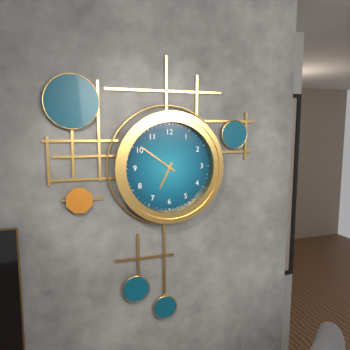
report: 6h51
